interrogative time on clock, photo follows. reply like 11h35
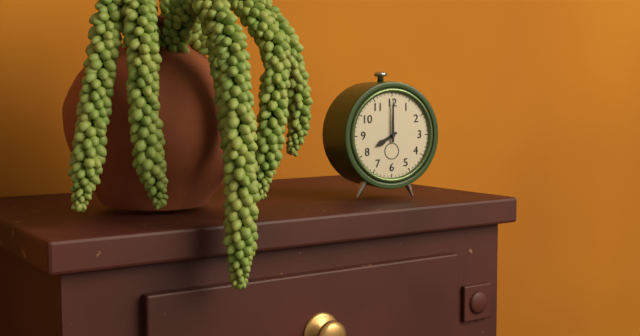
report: 8h00
